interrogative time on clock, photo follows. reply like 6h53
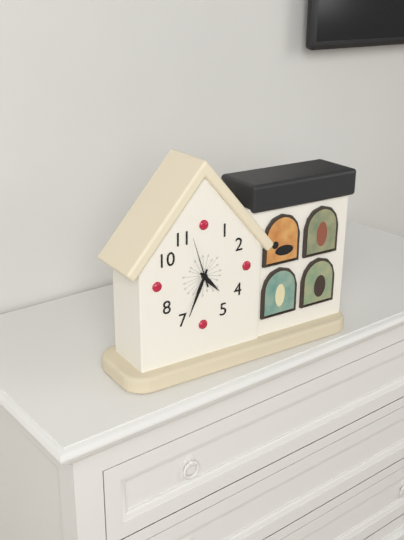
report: 4h34
